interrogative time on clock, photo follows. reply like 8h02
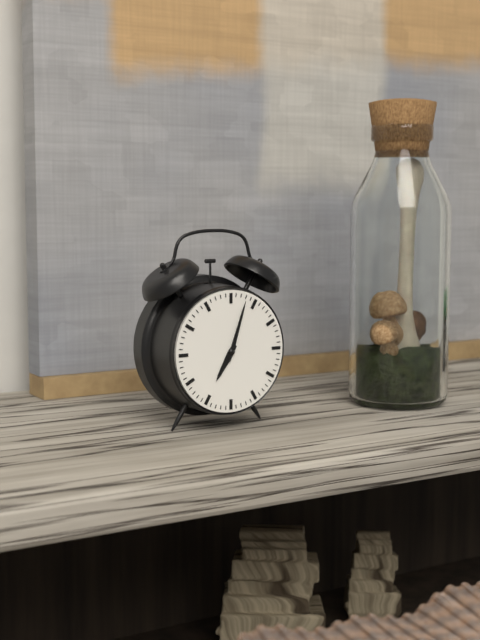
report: 7h03
